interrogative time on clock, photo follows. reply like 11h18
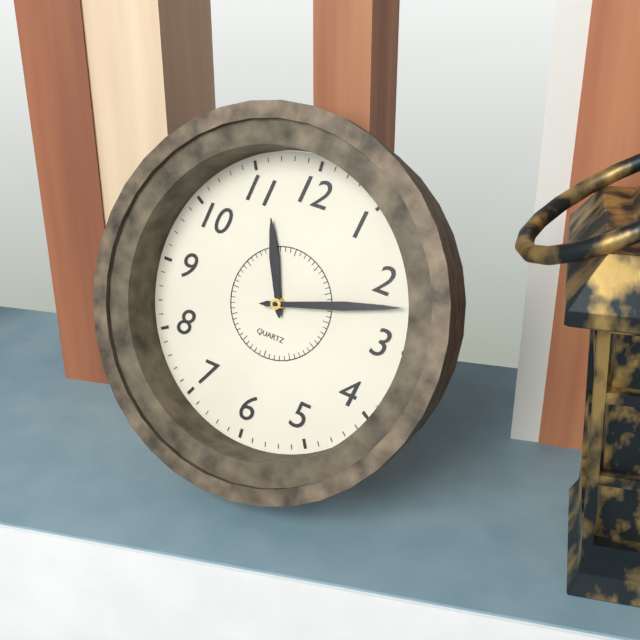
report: 11h12
